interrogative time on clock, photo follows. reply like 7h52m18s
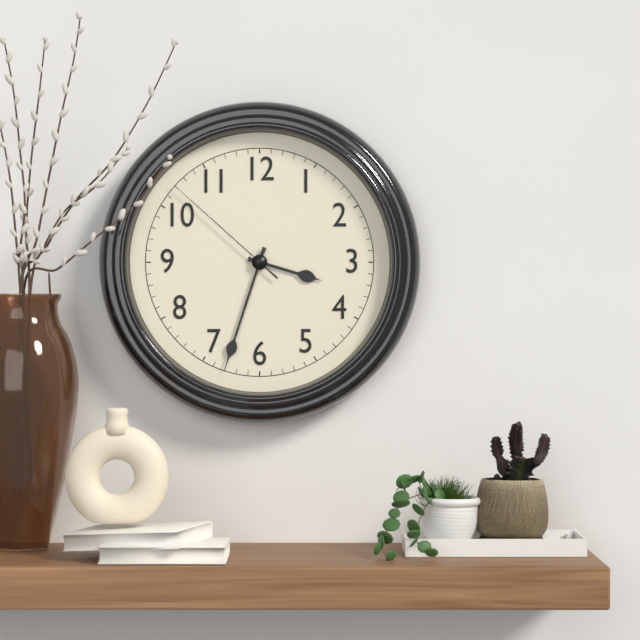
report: 3h33m52s
